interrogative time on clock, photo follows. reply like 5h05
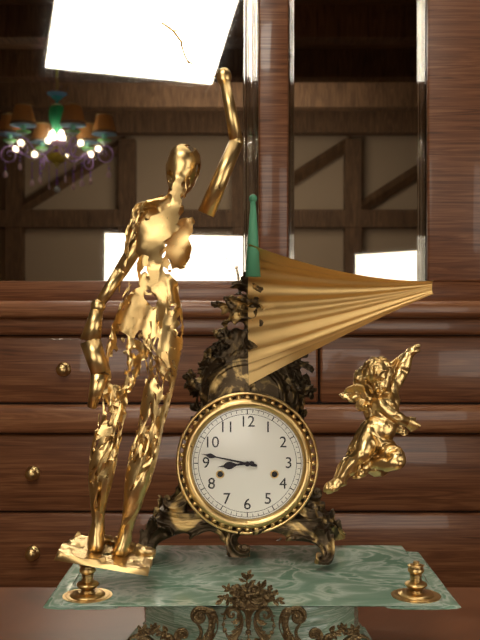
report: 8h47
